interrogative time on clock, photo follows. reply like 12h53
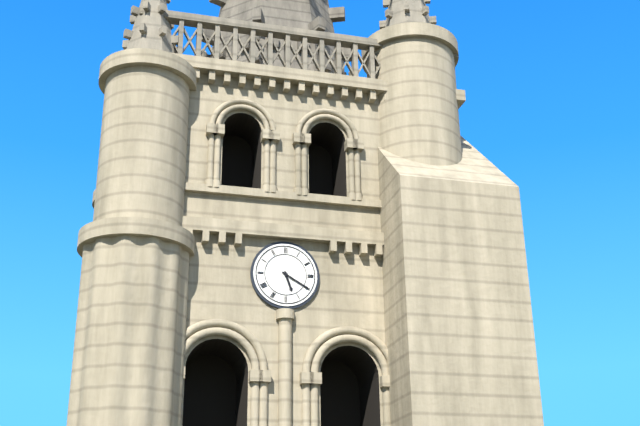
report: 5h20
